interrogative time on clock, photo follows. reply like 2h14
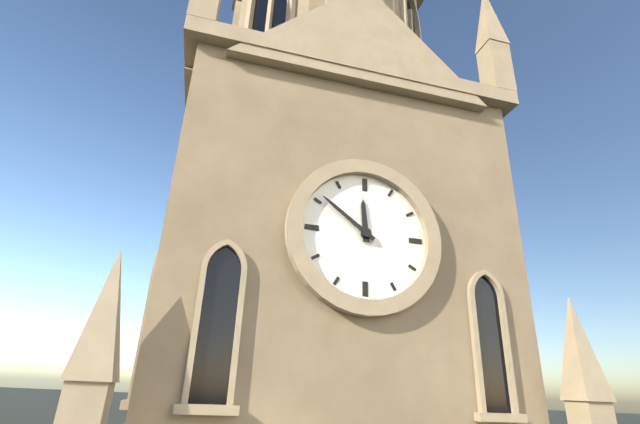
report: 11h51
